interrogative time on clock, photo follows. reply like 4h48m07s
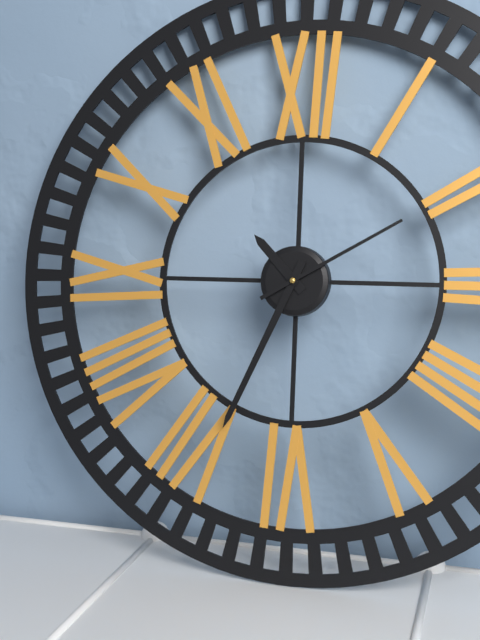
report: 10h34m10s
